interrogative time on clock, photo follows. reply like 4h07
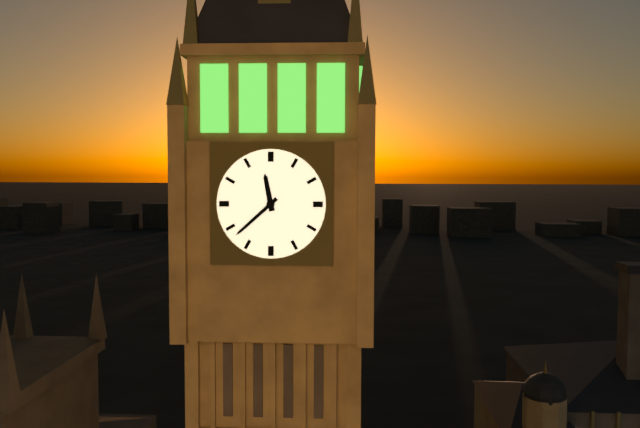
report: 11h38
